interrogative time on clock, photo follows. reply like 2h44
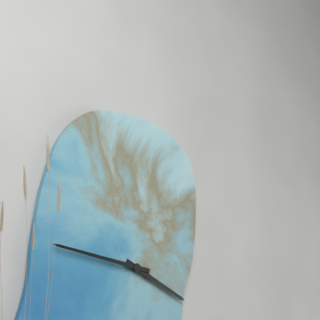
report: 3h46
